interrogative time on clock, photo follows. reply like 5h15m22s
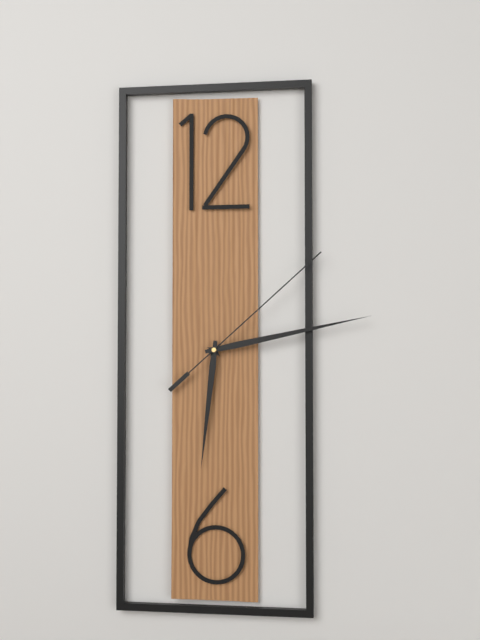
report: 6h13m08s
